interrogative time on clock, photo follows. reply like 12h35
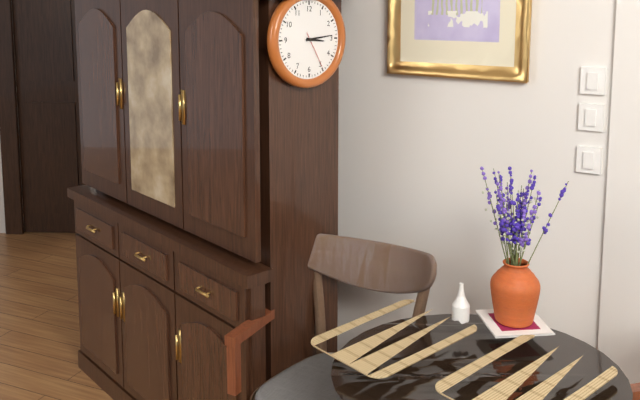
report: 3h14
